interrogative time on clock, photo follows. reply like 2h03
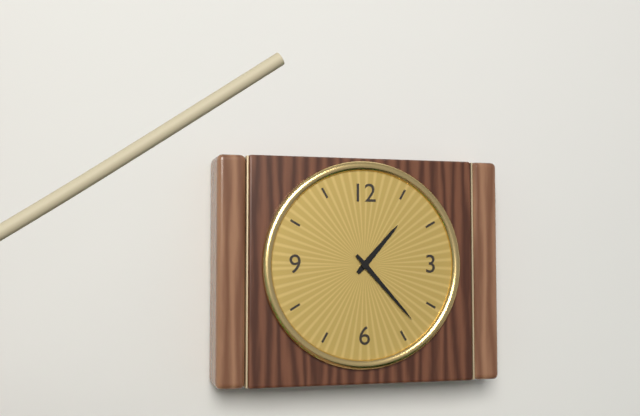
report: 1h23
